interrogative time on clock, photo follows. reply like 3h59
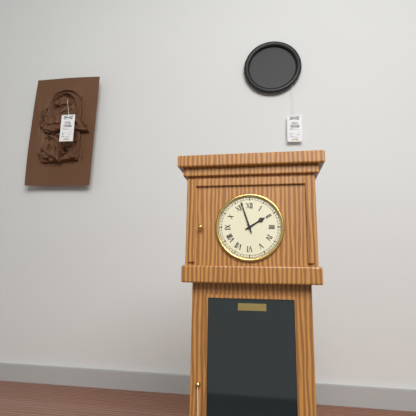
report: 1h57
